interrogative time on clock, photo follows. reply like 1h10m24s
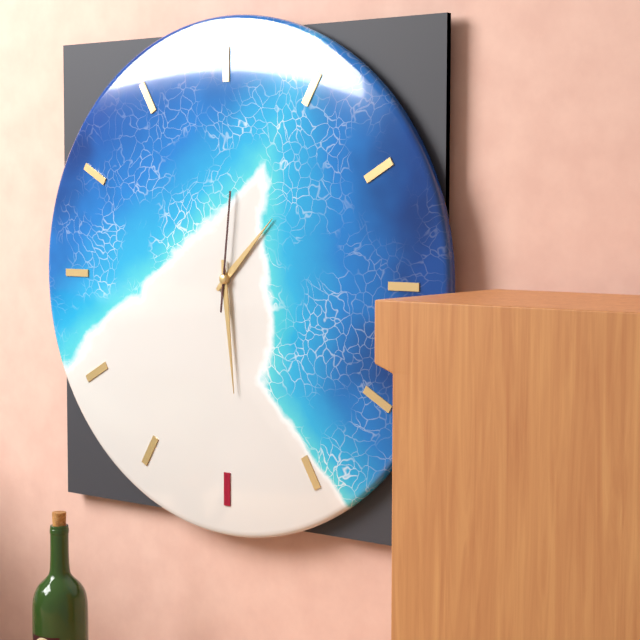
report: 1h29m01s
